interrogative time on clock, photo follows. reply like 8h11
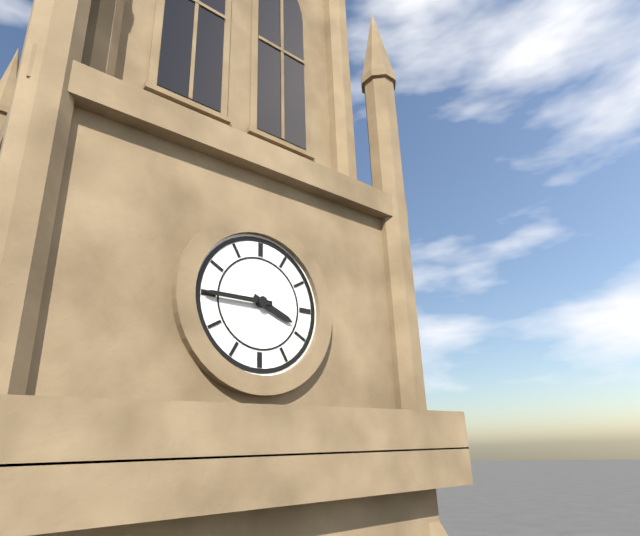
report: 3h45
